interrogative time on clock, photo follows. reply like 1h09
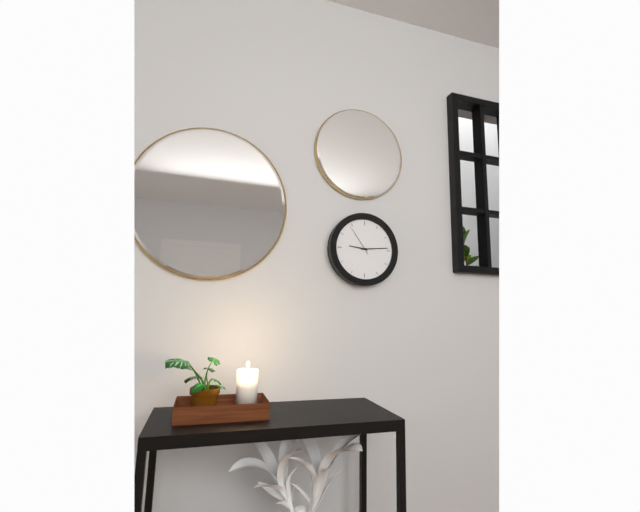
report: 9h14
